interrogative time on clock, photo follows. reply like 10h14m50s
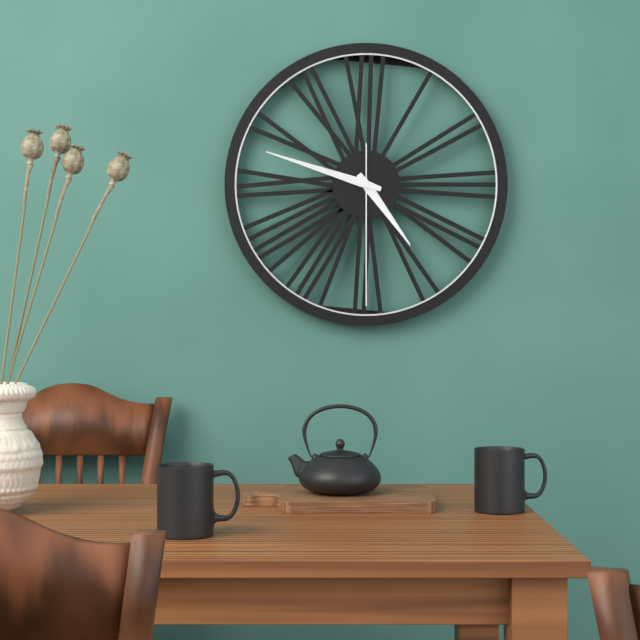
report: 4h48m30s
